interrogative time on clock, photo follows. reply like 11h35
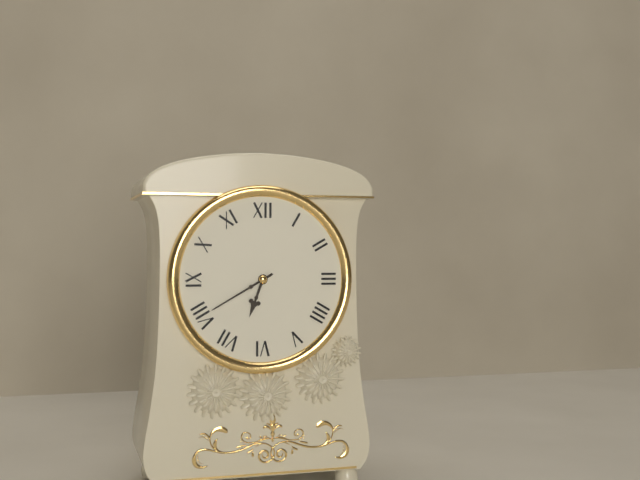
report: 6h40
